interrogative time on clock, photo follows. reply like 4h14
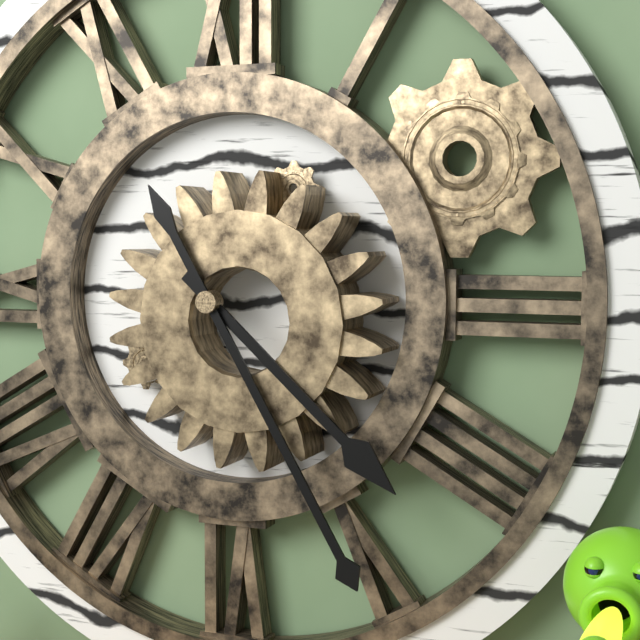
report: 4h25
